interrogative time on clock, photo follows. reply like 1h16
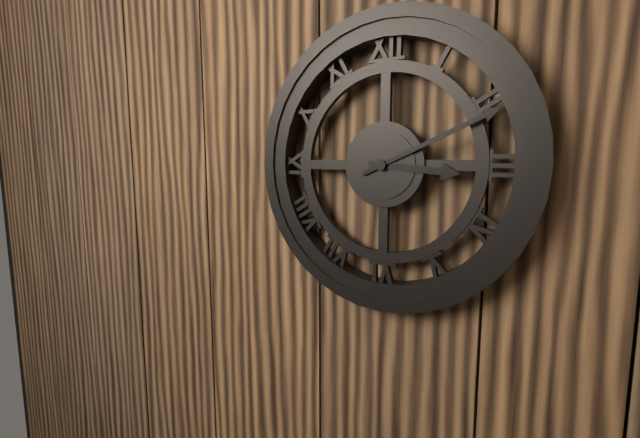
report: 3h11
